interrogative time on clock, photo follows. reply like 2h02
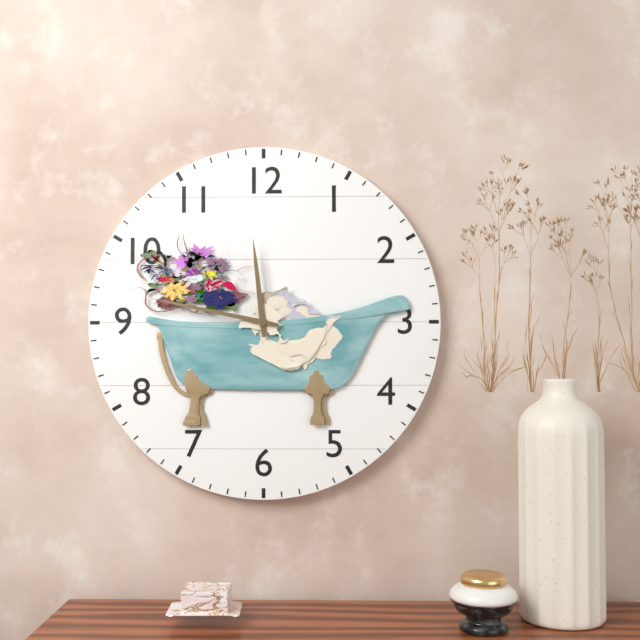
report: 11h47
